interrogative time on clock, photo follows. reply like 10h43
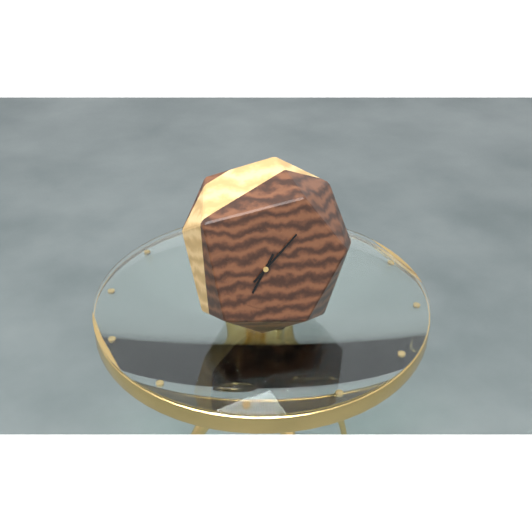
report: 7h08
